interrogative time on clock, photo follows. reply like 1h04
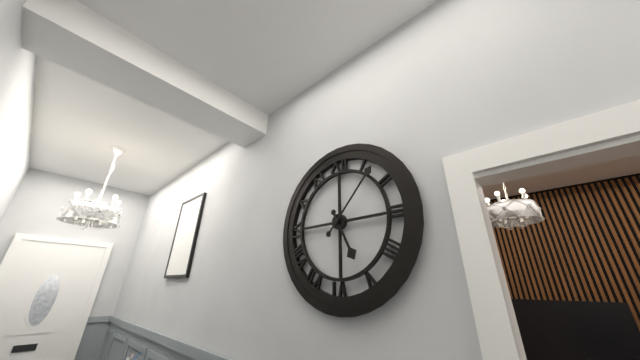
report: 5h07
